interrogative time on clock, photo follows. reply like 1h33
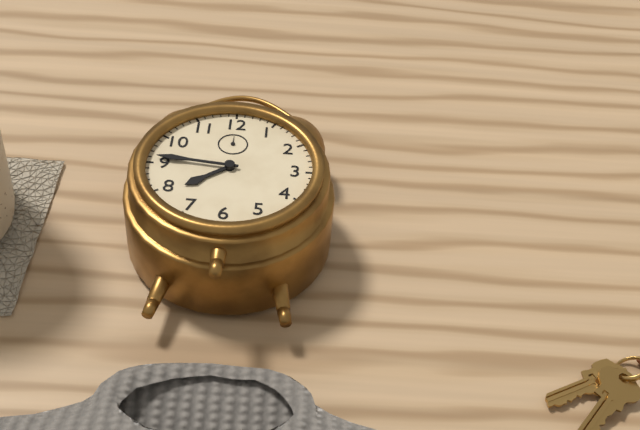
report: 7h46
